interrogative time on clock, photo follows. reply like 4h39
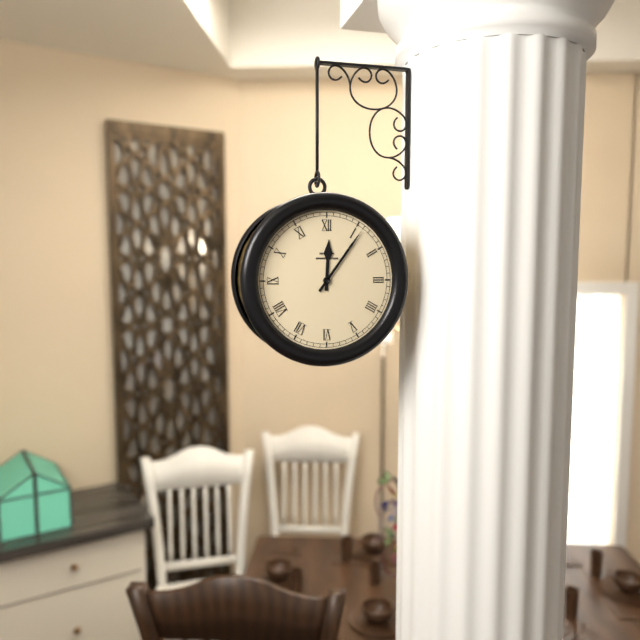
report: 12h06
